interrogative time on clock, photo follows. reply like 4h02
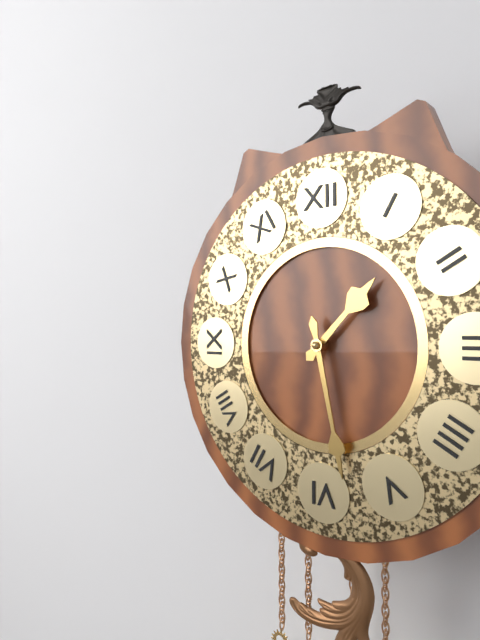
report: 1h28
